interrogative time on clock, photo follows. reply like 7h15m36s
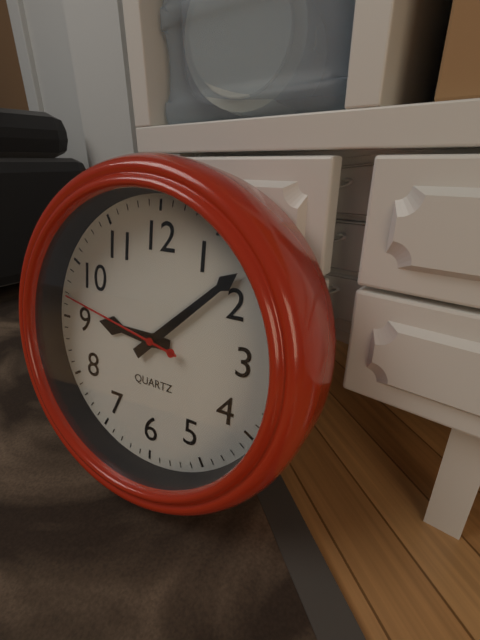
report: 9h08m47s
